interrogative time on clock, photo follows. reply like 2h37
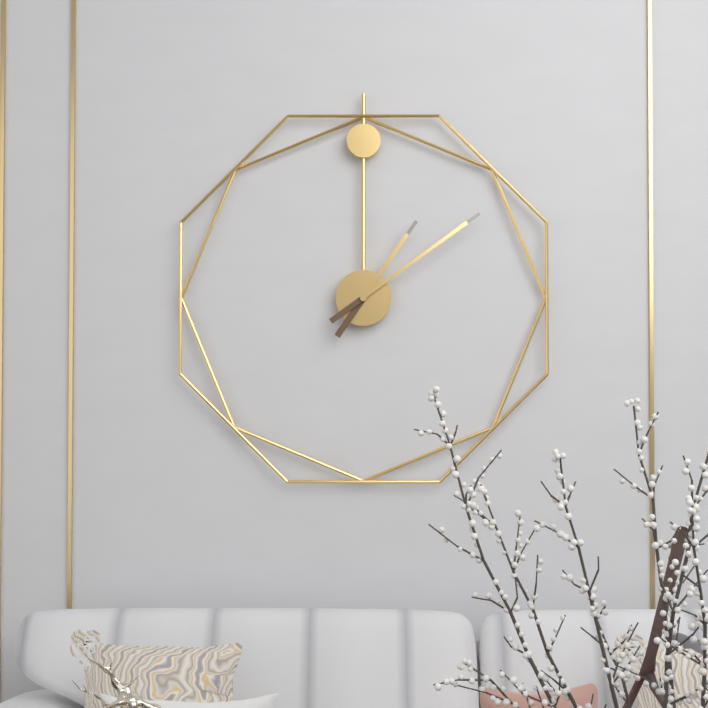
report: 1h09
